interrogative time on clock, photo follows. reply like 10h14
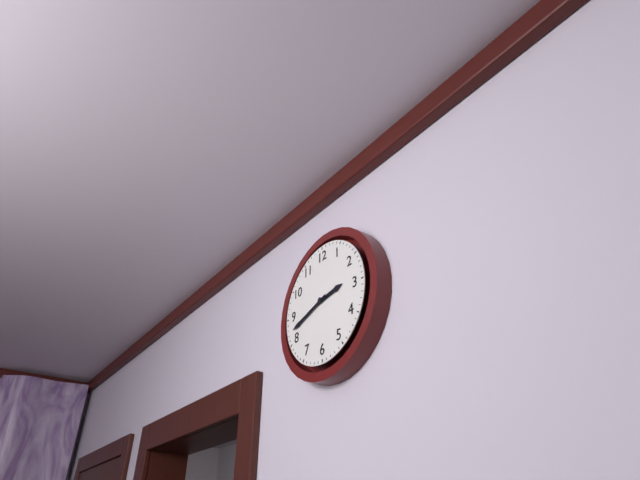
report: 2h42
